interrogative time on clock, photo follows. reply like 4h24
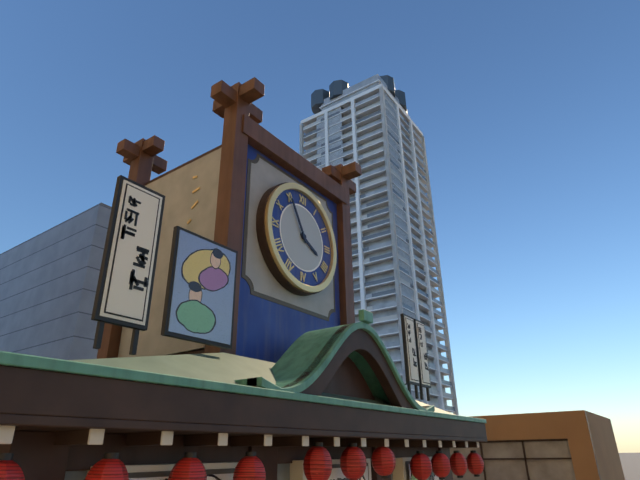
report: 3h55
